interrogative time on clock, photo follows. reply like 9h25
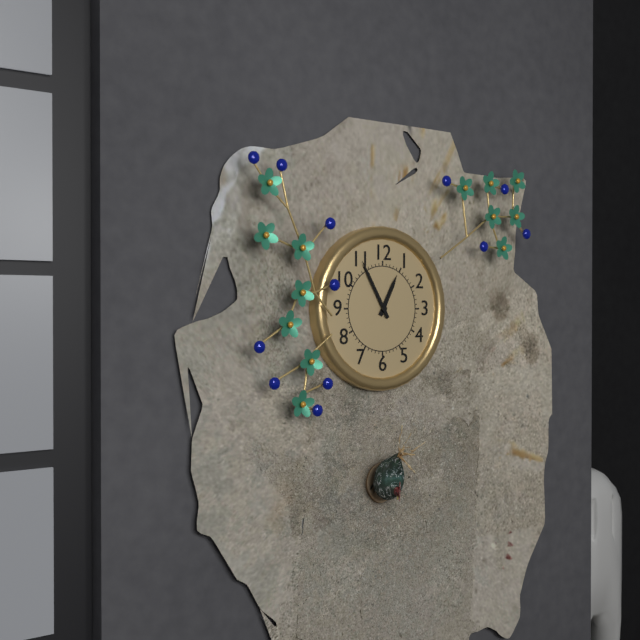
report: 12h55
